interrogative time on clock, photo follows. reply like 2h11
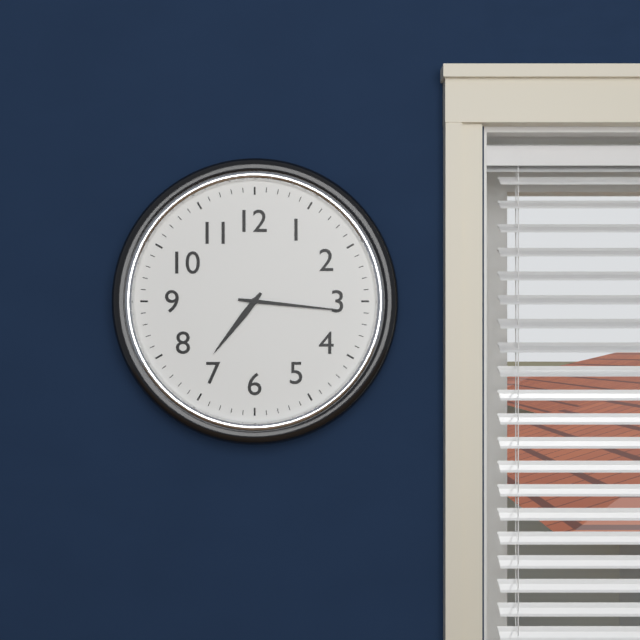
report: 7h16
